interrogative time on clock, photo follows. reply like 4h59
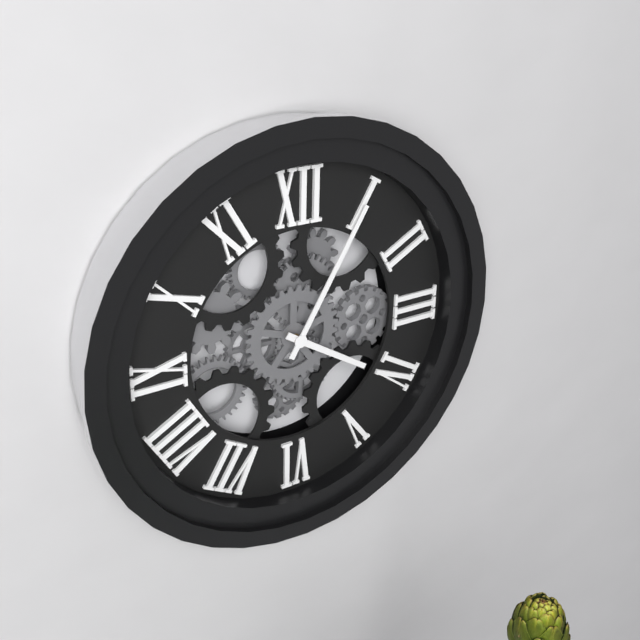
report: 4h05
